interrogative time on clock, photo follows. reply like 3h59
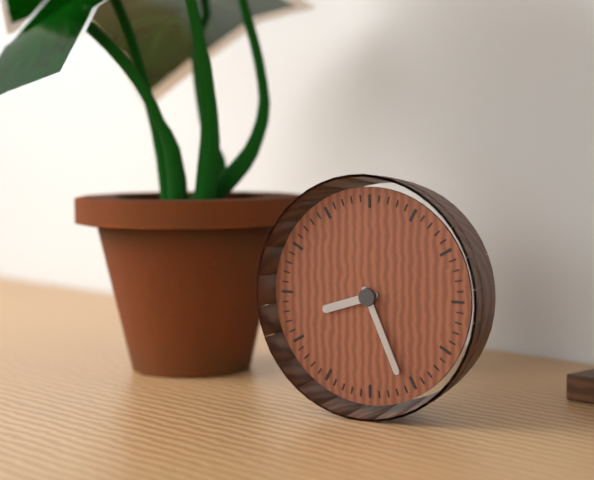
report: 8h26
